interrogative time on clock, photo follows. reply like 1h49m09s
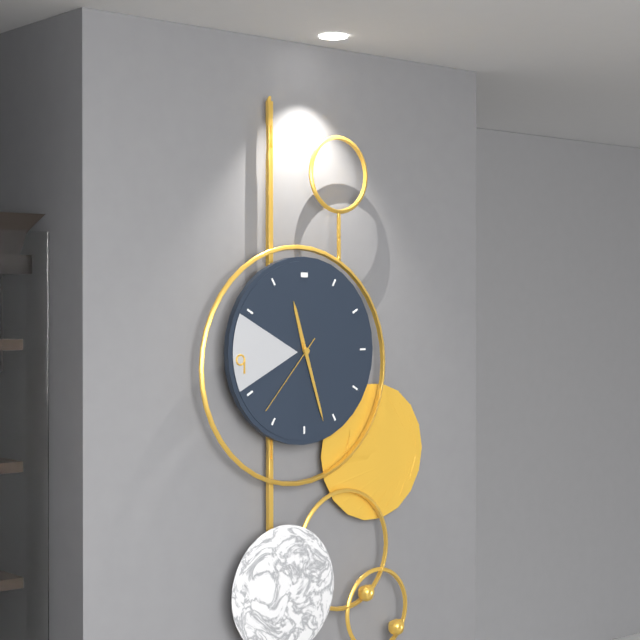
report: 11h27m37s
